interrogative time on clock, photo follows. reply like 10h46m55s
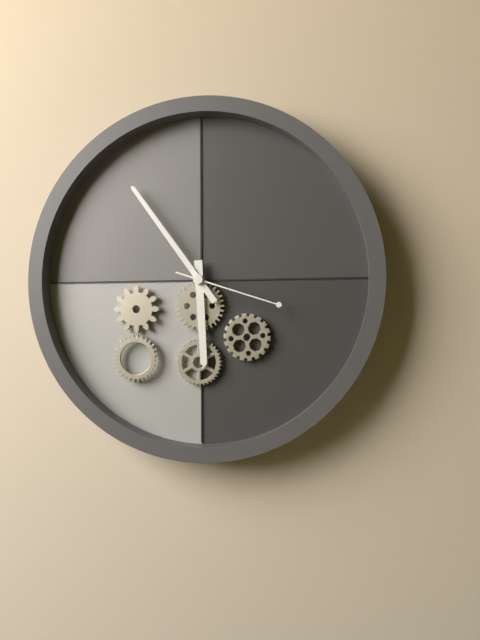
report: 5h54m18s
